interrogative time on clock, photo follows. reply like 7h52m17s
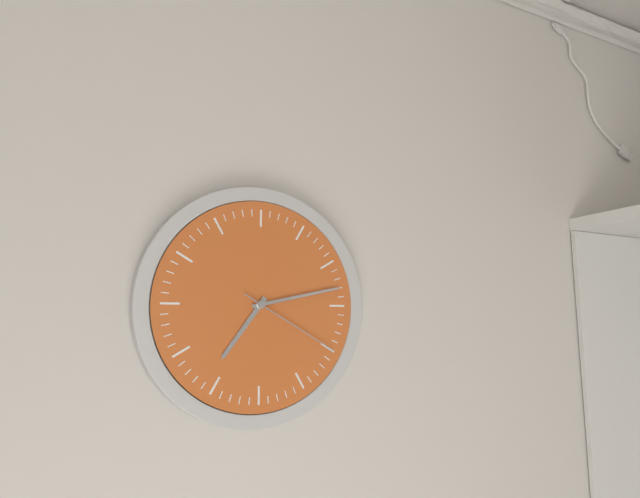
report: 7h13m20s
